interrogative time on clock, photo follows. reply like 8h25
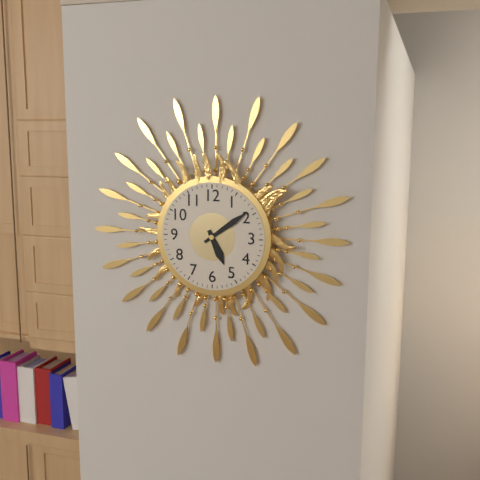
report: 5h09
